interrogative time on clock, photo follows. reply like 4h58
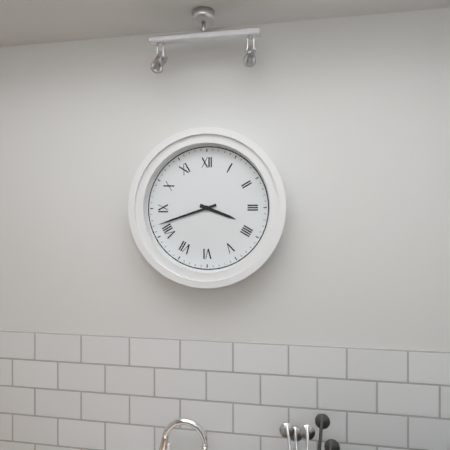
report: 3h42
